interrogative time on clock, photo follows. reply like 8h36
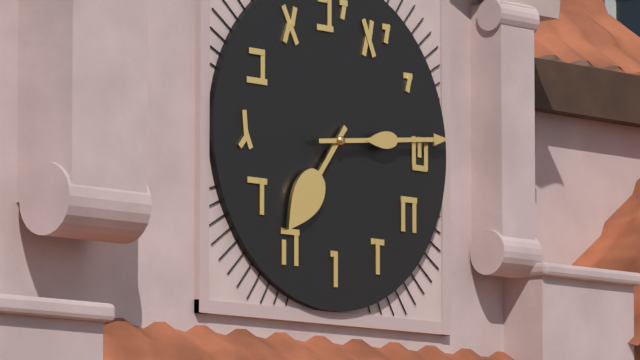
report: 7h14
